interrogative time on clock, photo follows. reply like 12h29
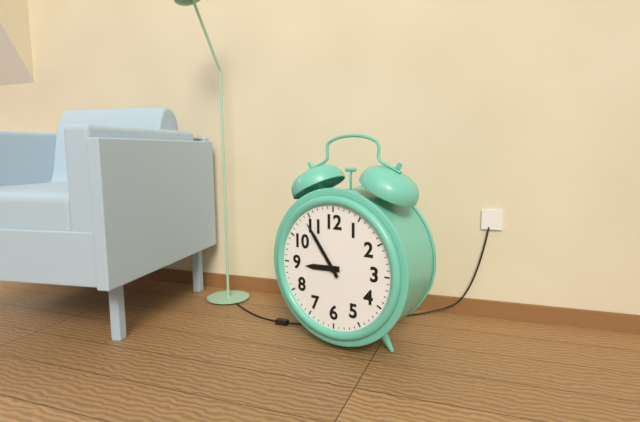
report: 8h54
